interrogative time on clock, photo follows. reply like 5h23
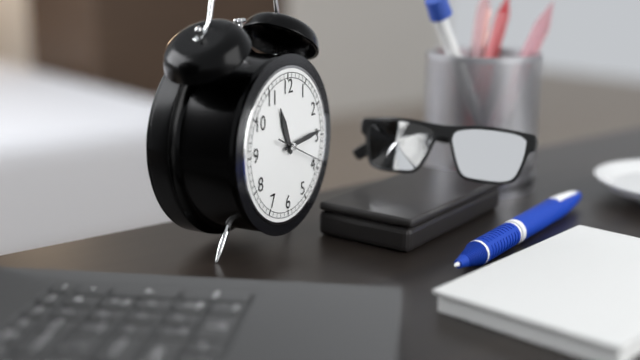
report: 11h14
